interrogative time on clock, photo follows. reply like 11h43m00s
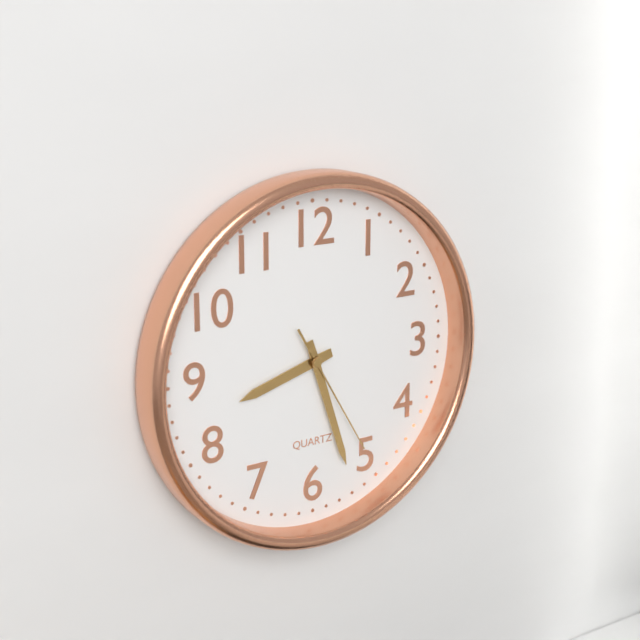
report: 8h27m25s
